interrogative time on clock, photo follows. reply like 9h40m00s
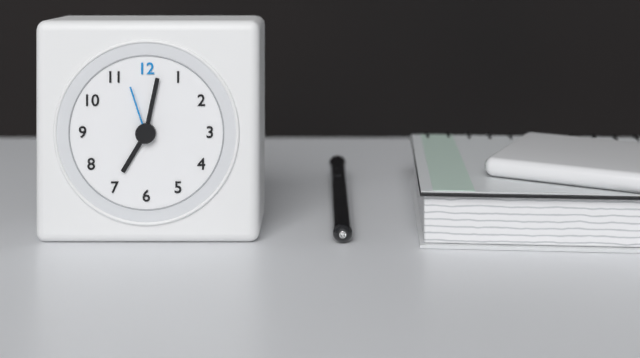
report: 7h02m57s
